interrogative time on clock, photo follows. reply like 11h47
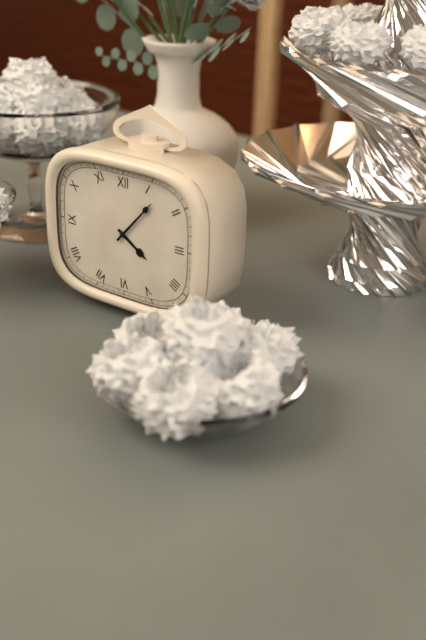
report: 4h07
